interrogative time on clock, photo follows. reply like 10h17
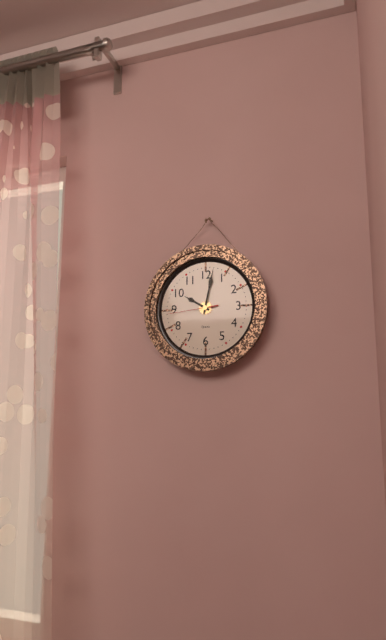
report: 10h02
